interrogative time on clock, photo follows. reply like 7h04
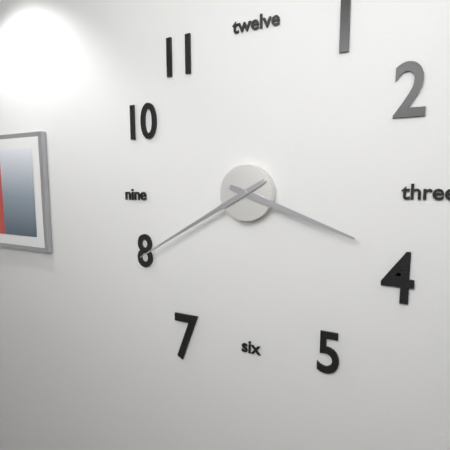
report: 3h40
